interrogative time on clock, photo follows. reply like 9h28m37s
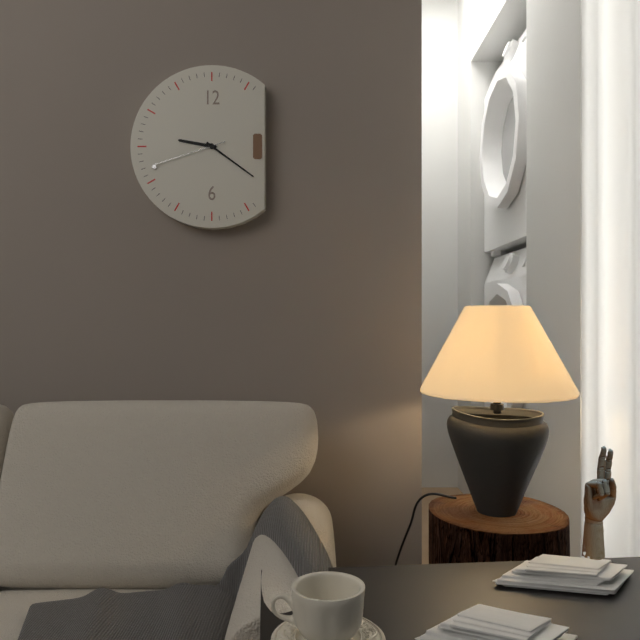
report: 9h21m42s
